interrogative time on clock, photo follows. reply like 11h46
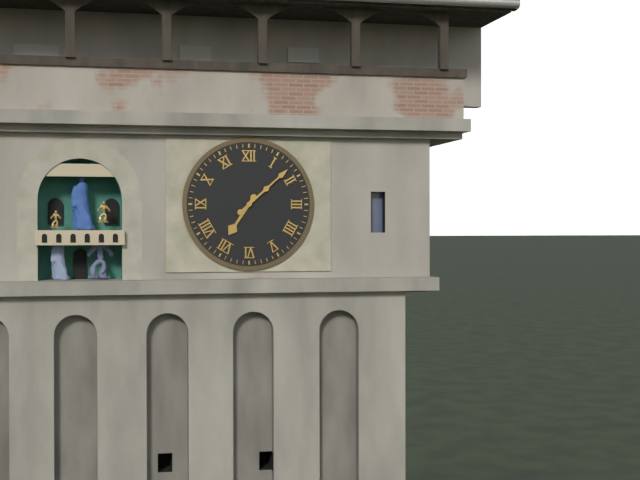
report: 7h08
